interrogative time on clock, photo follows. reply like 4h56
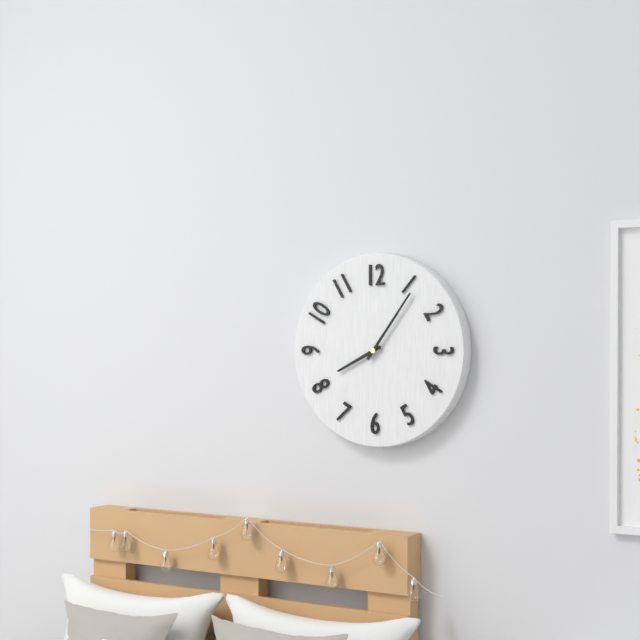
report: 8h06
